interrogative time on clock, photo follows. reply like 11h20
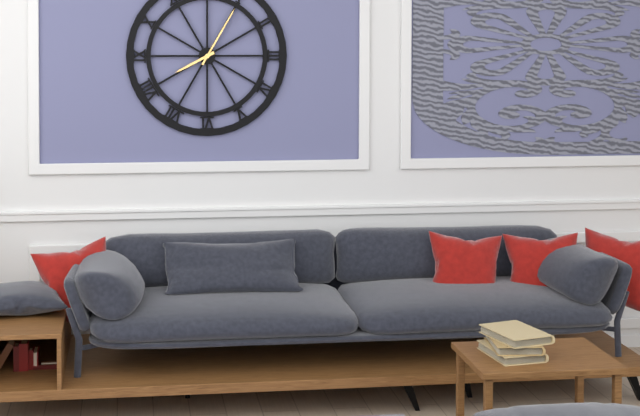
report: 8h05
